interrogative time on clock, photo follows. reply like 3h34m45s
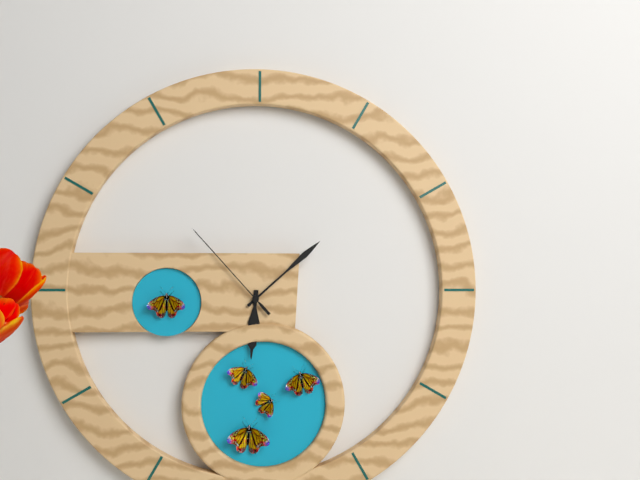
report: 6h08m53s
